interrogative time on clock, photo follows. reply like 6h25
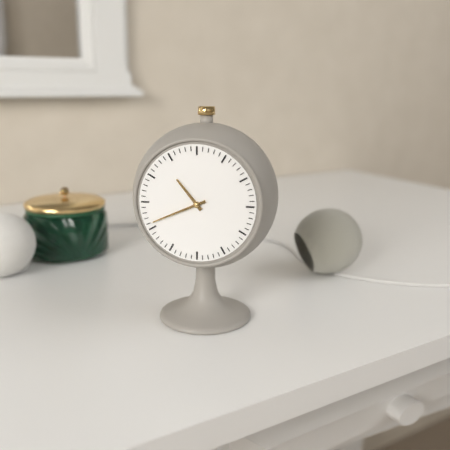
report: 10h41
